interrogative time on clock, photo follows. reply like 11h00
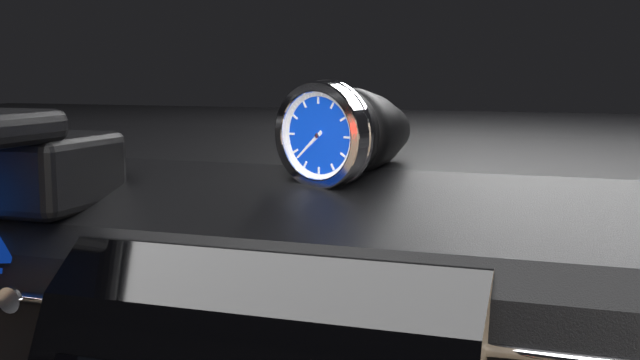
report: 7h38
